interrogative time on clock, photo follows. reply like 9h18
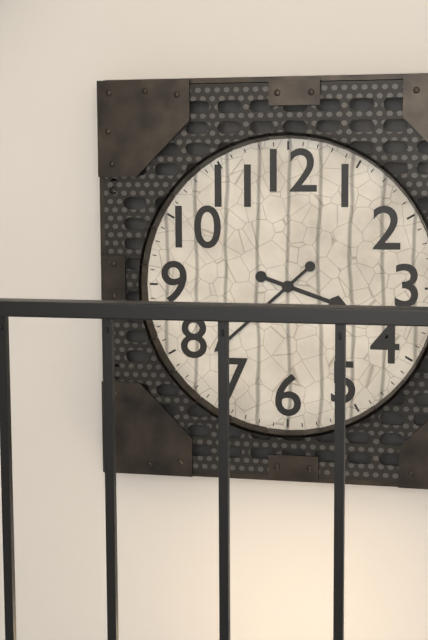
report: 3h38
